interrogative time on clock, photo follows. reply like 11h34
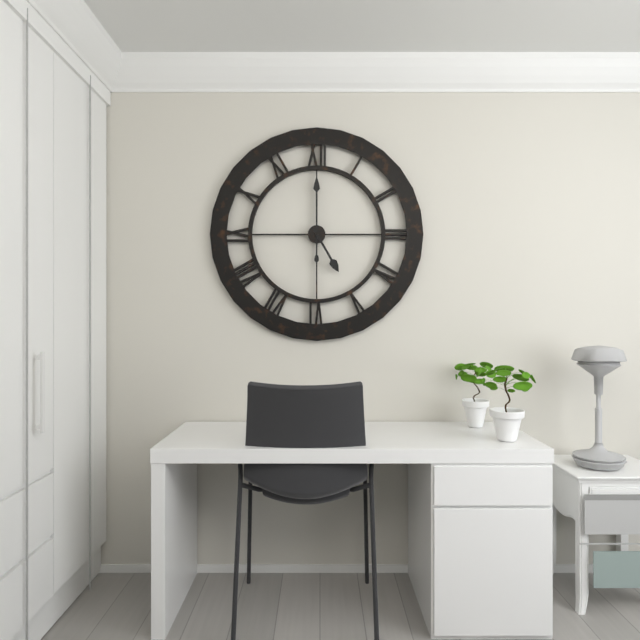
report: 5h00
